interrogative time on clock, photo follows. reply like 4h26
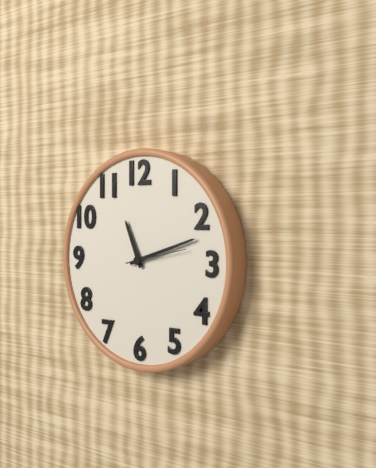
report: 11h12
